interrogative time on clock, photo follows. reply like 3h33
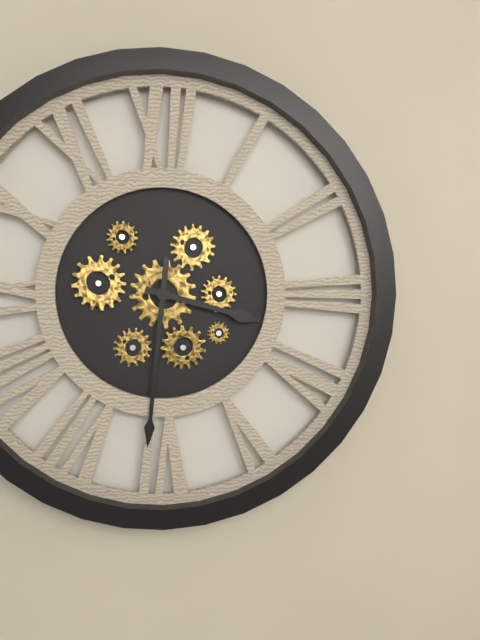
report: 3h31
